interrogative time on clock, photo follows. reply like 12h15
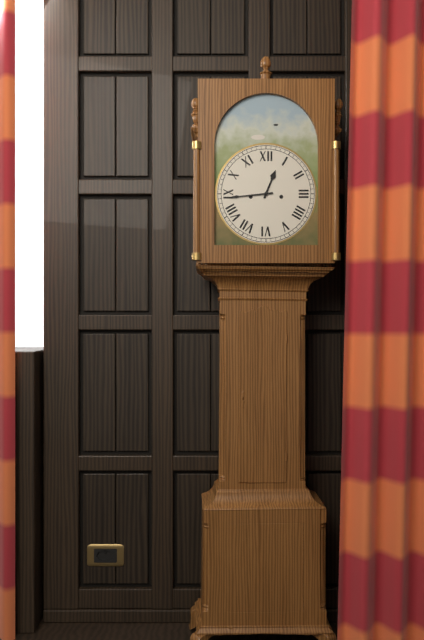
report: 12h44
